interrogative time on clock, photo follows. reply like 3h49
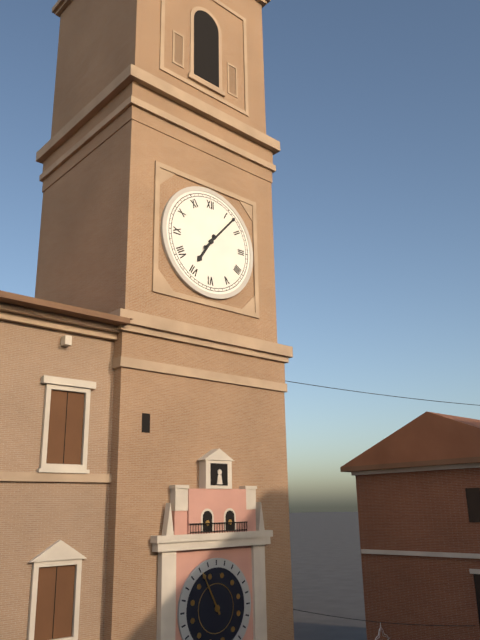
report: 7h07
